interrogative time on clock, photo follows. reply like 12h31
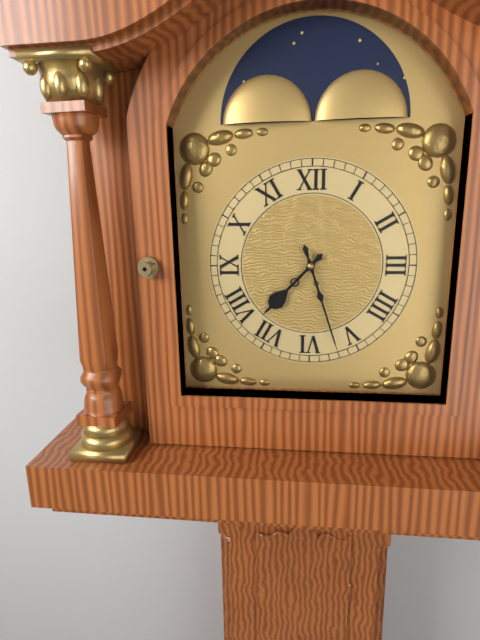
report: 7h27
